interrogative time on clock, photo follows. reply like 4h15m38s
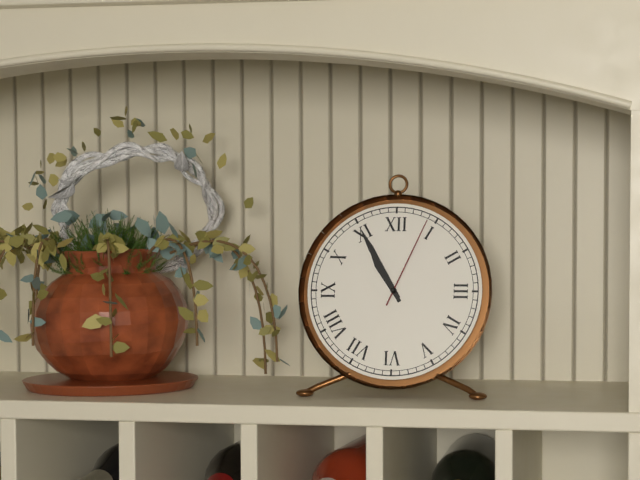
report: 10h55m04s
